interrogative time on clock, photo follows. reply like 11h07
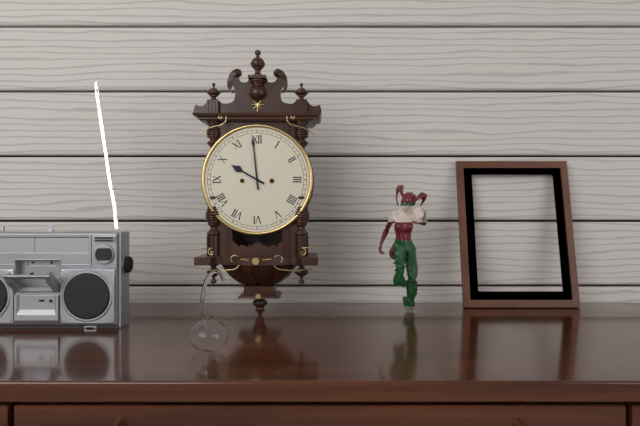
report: 9h59
